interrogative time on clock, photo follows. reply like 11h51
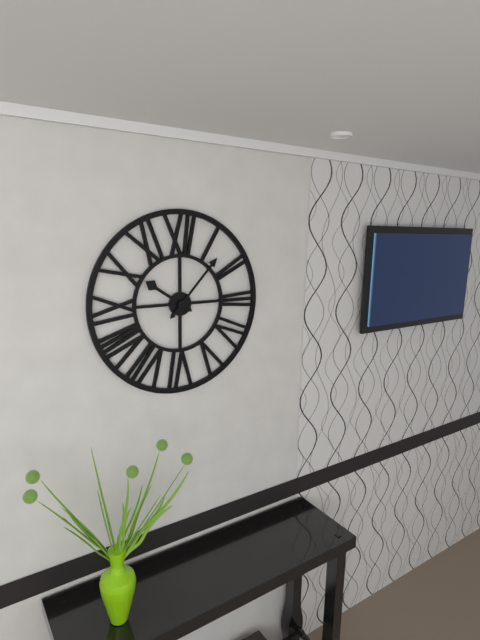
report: 10h07
